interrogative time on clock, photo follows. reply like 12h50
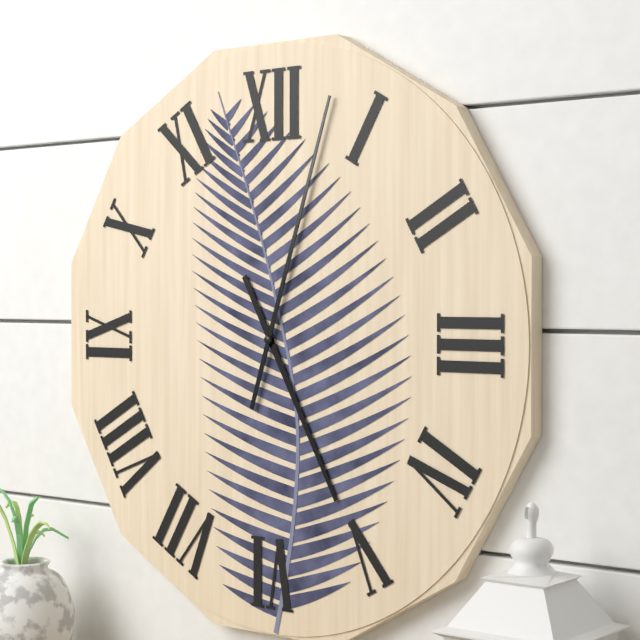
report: 5h03
